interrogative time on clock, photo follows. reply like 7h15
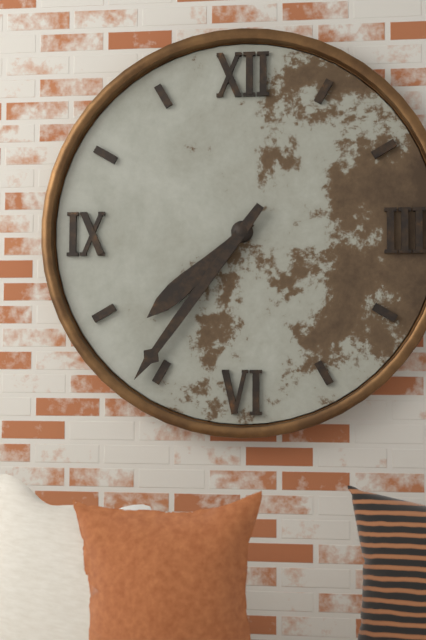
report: 7h36
